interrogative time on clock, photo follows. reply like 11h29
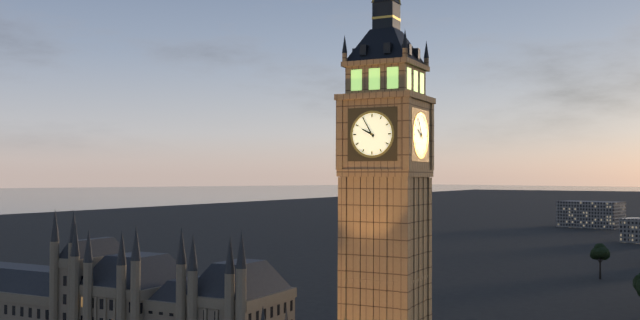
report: 9h55
